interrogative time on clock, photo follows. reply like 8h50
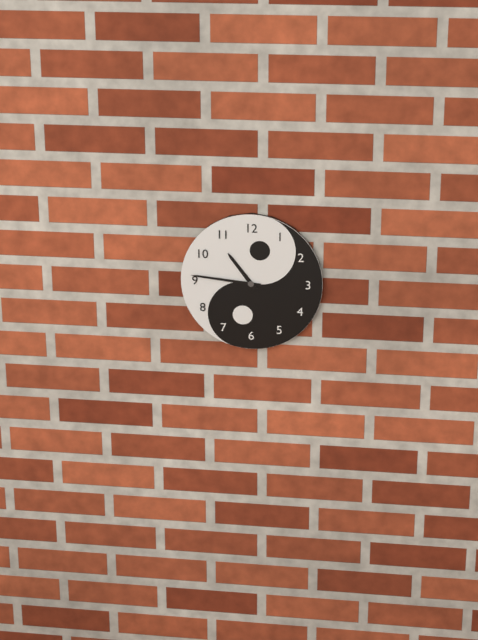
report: 10h46
